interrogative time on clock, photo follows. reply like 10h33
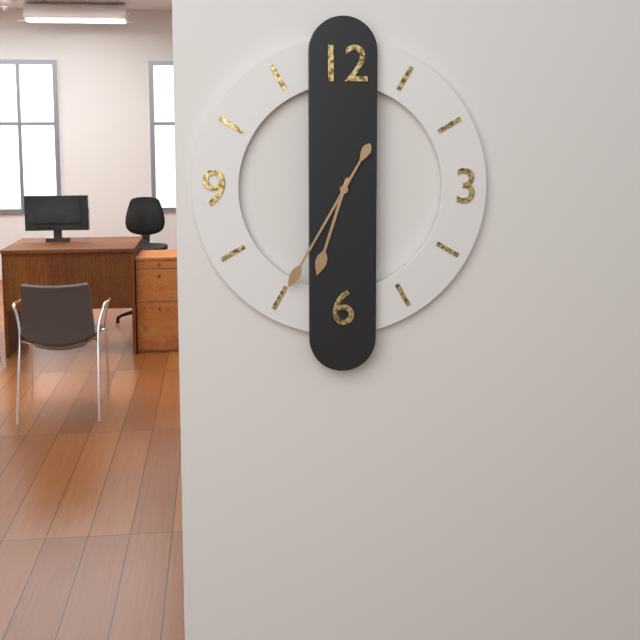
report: 6h35
